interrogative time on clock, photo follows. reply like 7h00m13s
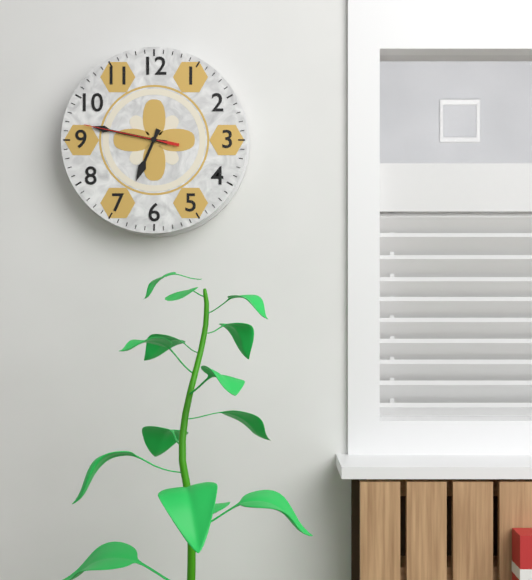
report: 6h47m47s
